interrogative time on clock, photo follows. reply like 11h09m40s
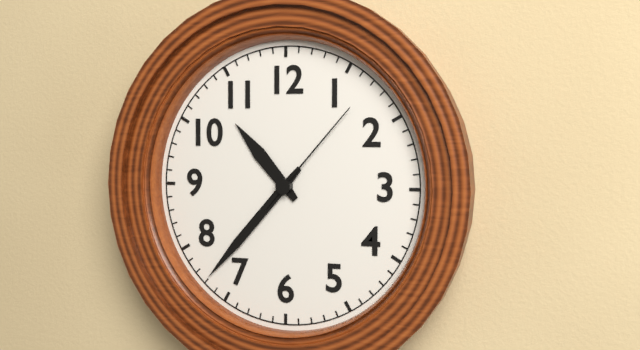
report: 10h37m07s
